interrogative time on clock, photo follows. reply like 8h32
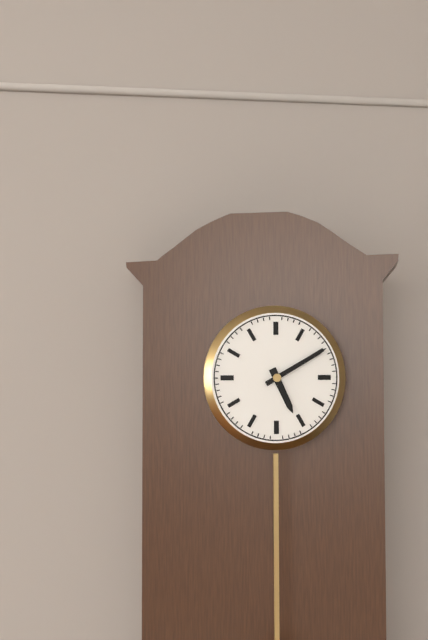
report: 5h10
